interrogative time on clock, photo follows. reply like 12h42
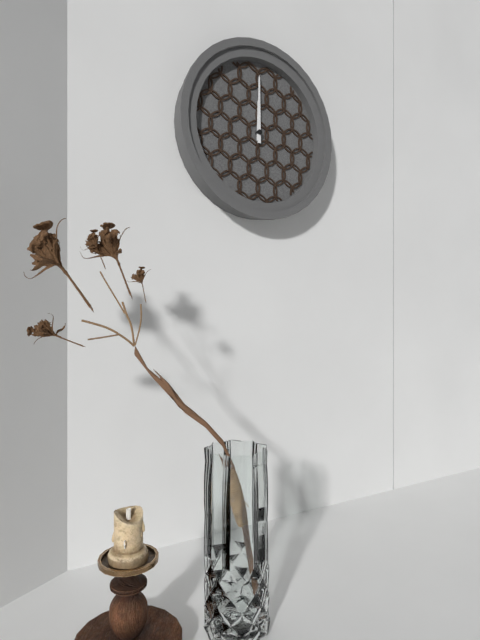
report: 12h00
